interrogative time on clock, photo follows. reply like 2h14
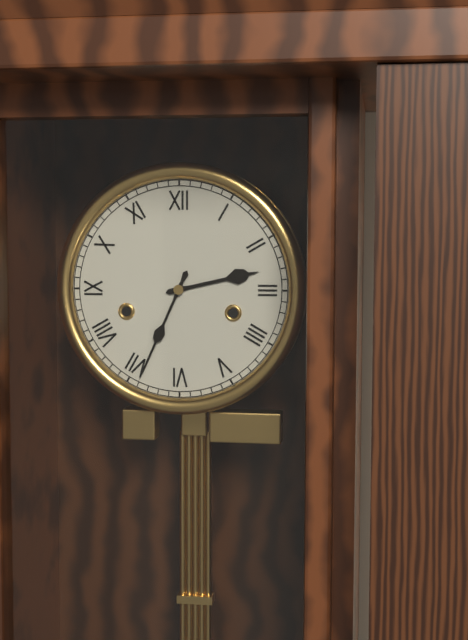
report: 2h34
